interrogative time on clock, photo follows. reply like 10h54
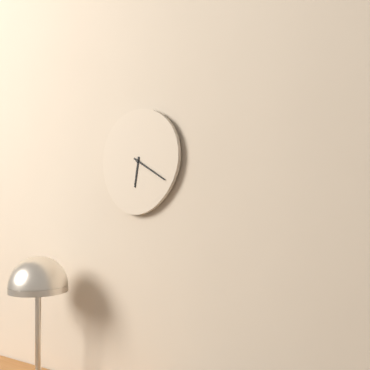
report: 6h20
